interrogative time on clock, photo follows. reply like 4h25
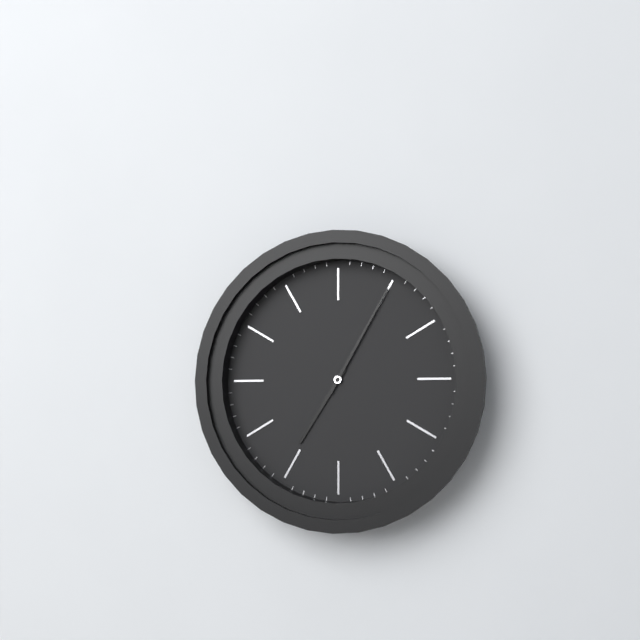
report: 7h05
